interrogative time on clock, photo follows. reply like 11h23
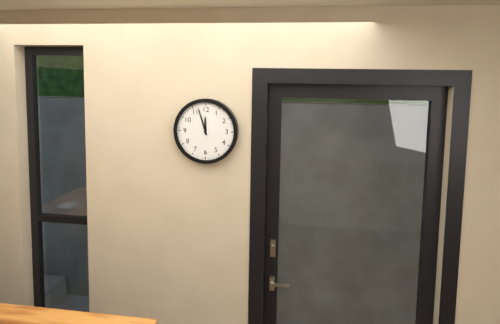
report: 11h57
